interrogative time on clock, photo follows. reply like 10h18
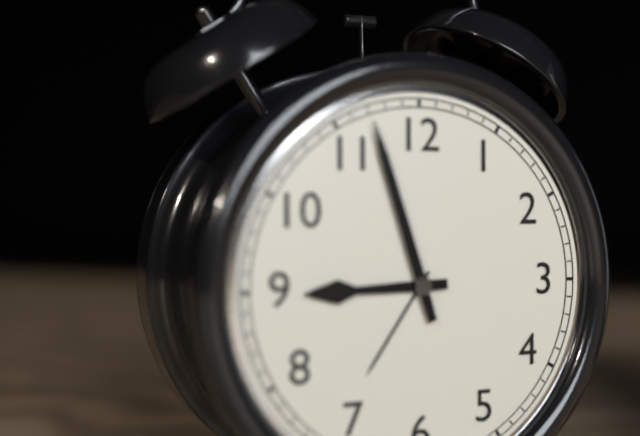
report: 8h57
